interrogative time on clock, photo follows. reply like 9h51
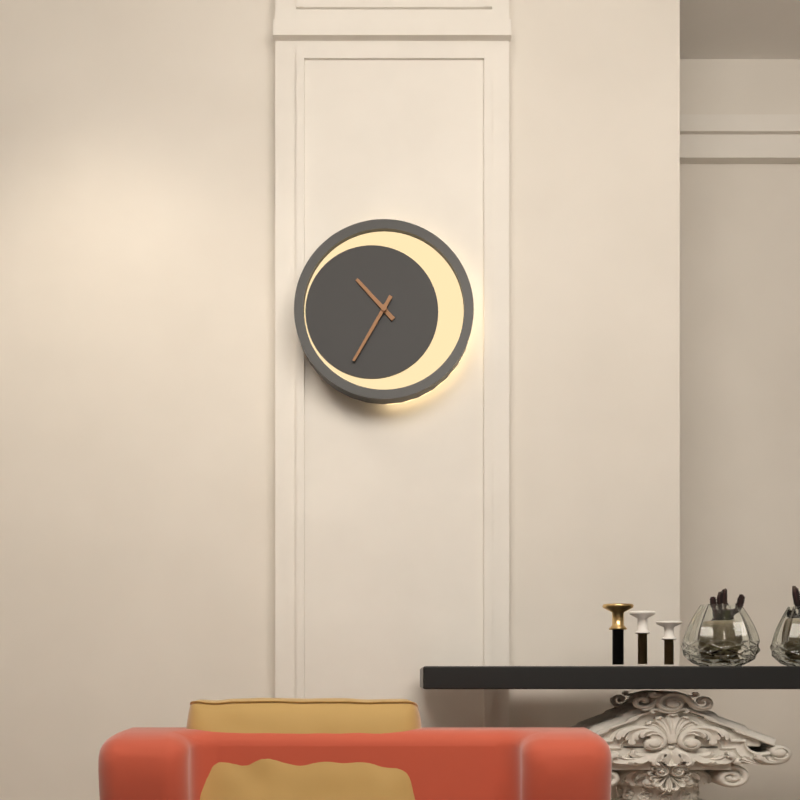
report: 10h35
